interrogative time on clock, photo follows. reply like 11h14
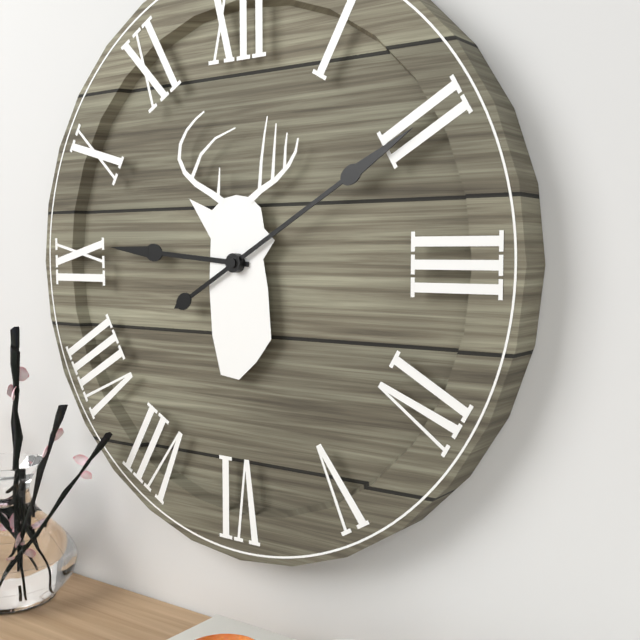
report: 9h10
